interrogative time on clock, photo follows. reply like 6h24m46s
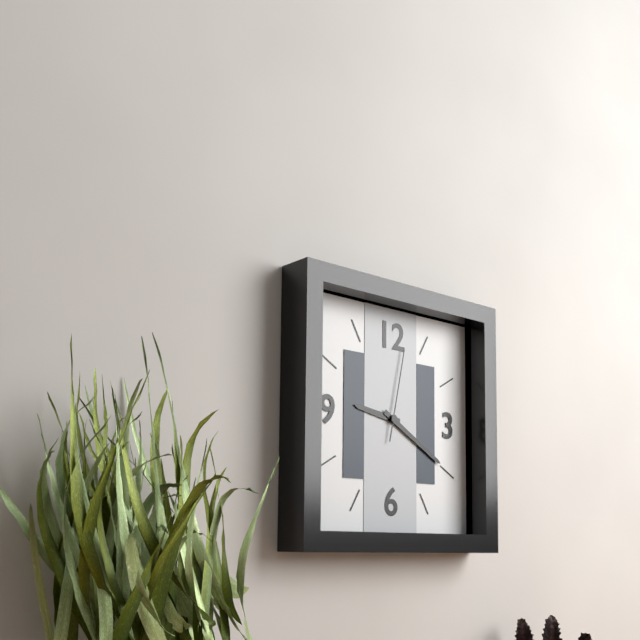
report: 9h20m02s
